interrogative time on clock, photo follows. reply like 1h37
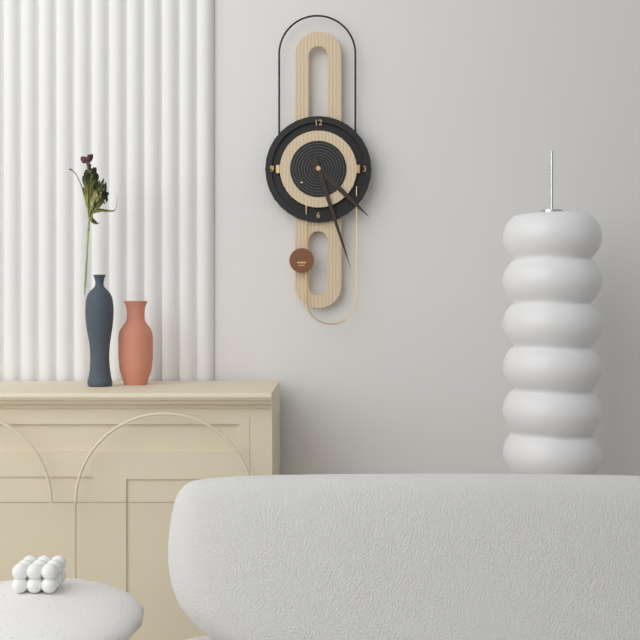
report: 4h27
